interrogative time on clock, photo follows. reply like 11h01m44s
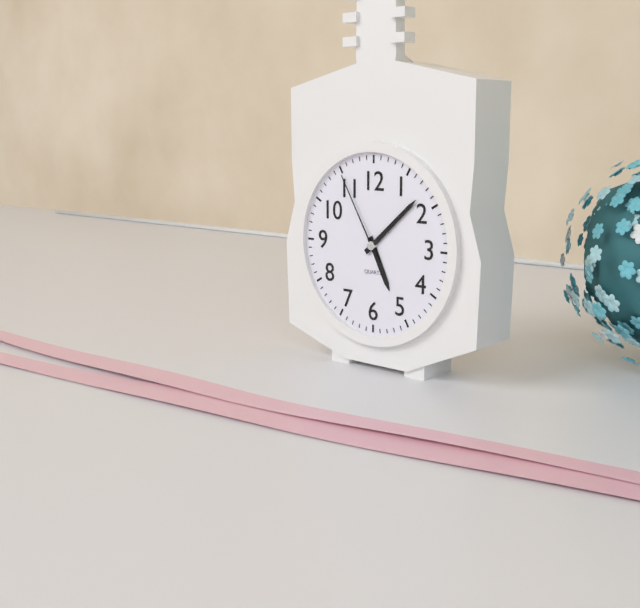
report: 5h08m55s
